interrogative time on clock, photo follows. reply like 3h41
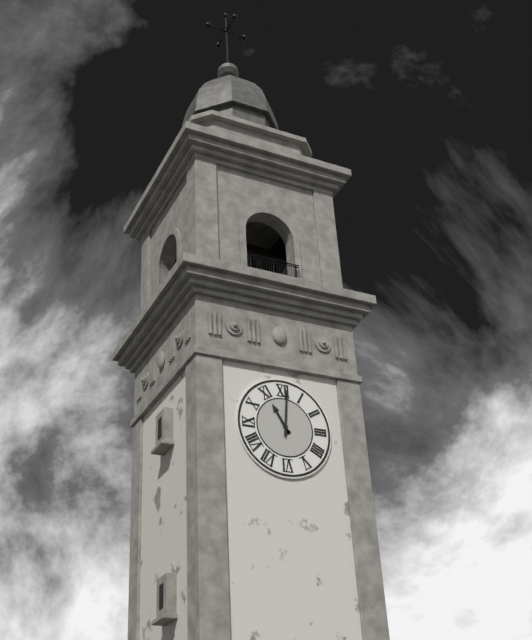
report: 11h01
